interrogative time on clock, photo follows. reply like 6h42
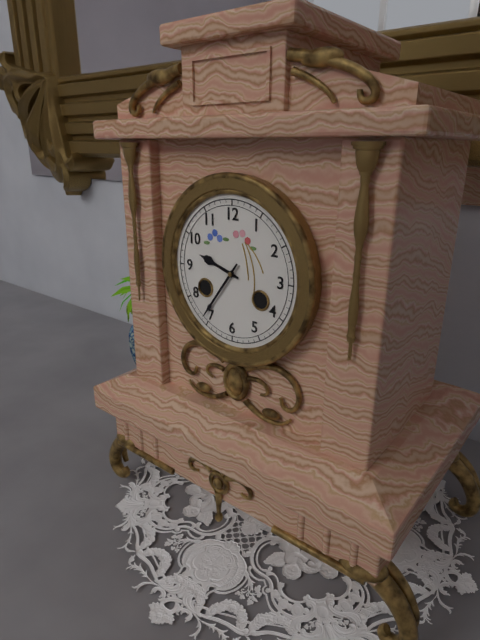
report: 9h36
